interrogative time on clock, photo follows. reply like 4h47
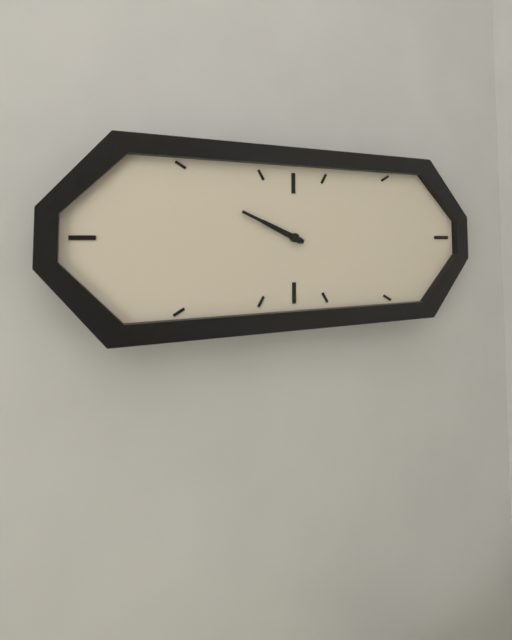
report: 9h49
